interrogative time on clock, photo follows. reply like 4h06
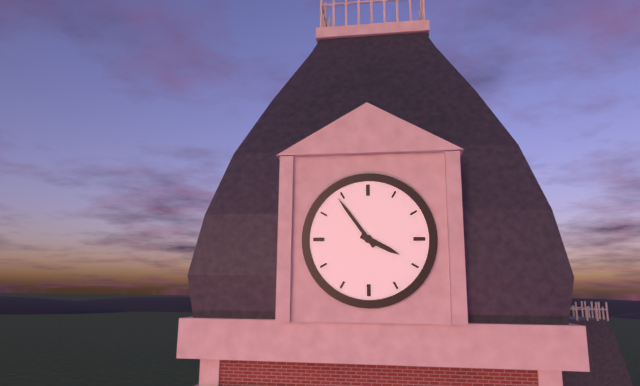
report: 3h54
